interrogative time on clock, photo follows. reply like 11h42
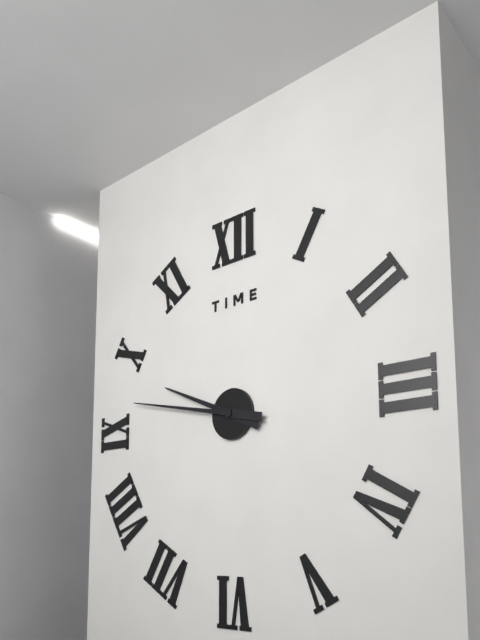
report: 9h47
